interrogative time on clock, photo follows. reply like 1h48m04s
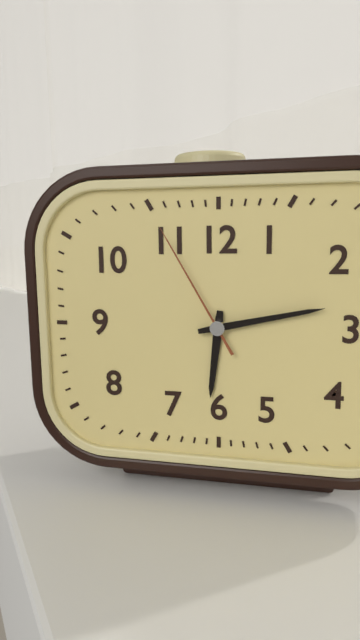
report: 6h13m55s
